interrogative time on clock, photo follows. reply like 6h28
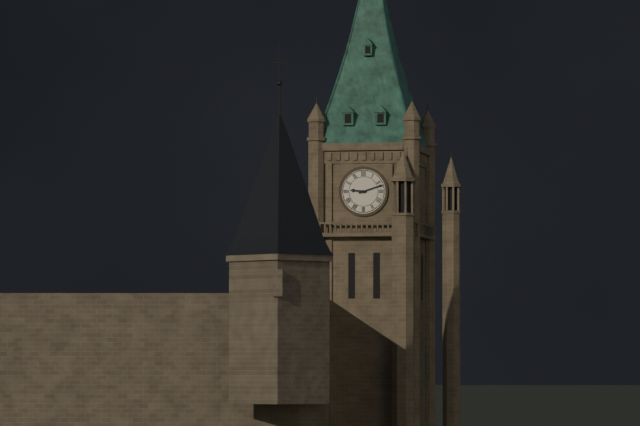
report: 9h12
